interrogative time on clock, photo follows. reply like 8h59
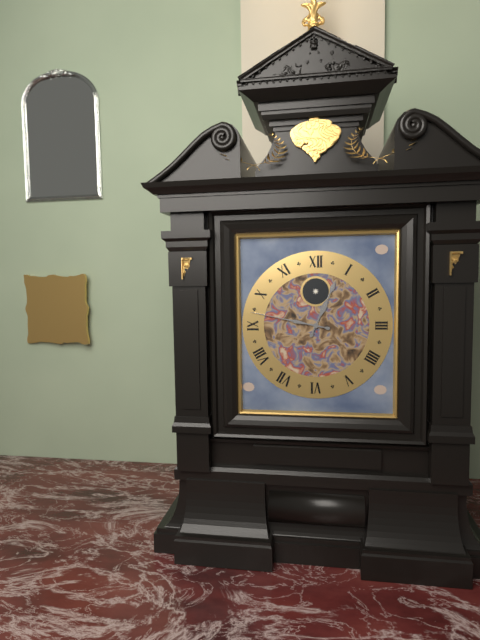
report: 12h47
